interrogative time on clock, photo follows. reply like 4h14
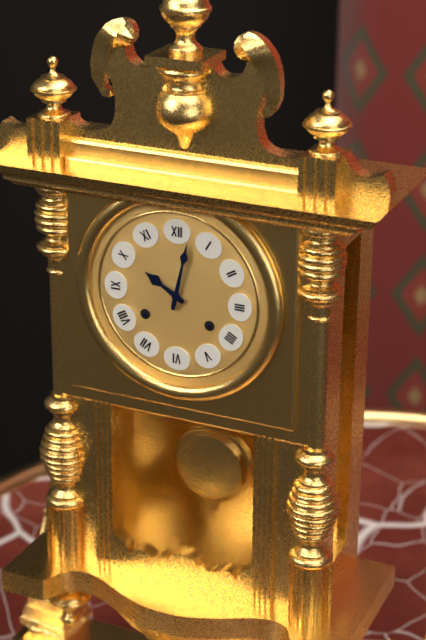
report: 10h02
